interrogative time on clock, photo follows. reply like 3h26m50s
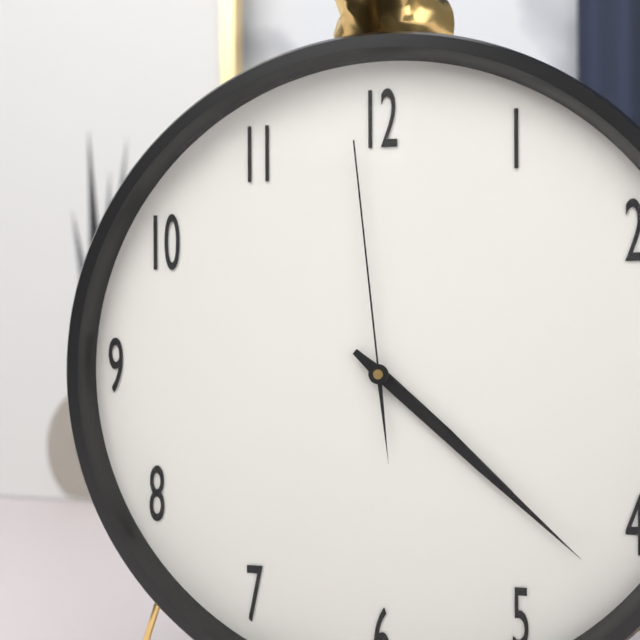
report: 4h22m59s
